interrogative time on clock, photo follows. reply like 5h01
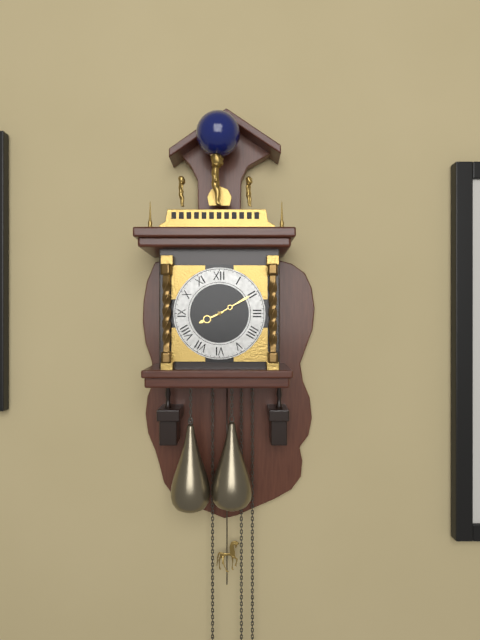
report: 8h10
